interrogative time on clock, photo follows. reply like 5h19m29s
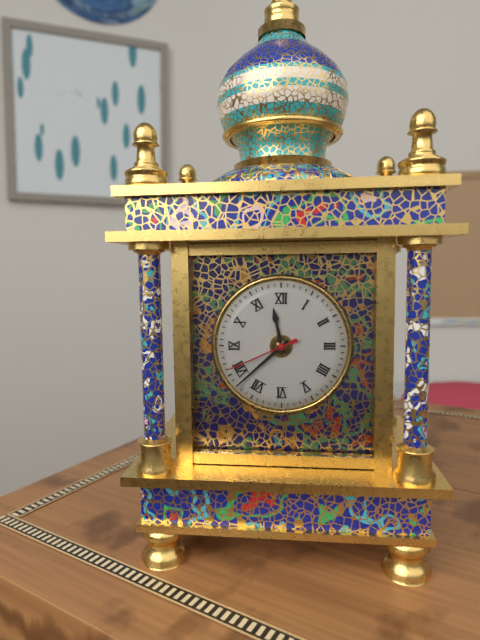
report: 11h38m41s
